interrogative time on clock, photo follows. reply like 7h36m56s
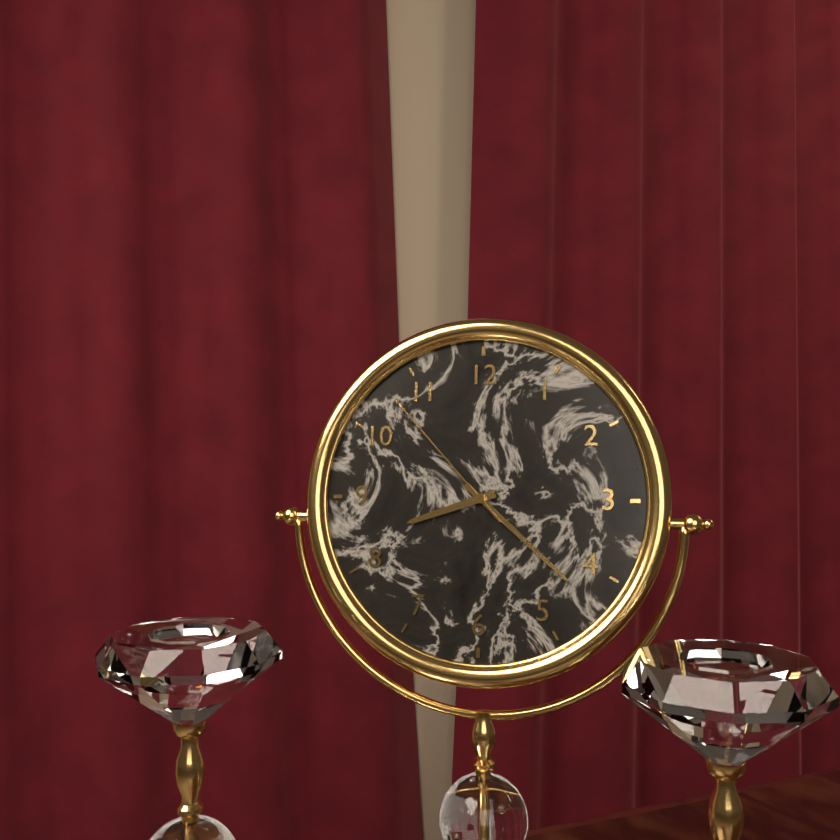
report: 8h22m53s
